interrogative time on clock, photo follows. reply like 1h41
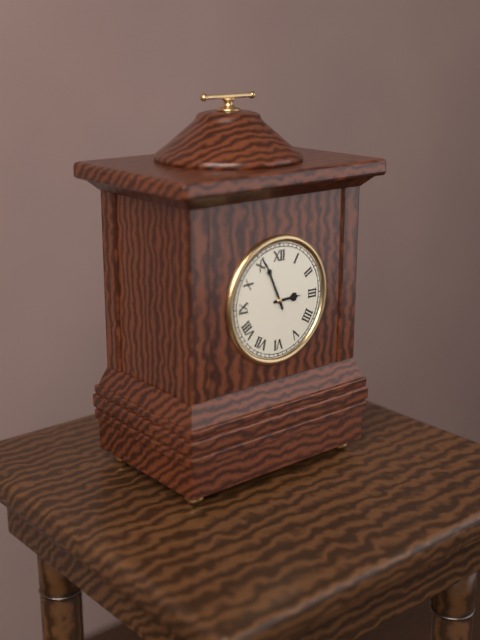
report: 2h56
